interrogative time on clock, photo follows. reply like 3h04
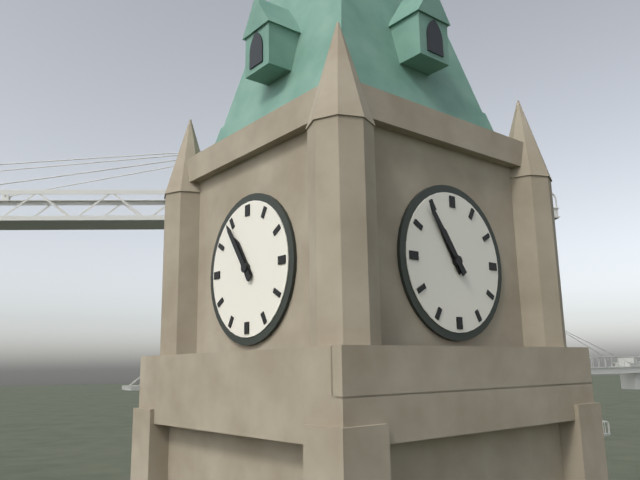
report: 10h54
